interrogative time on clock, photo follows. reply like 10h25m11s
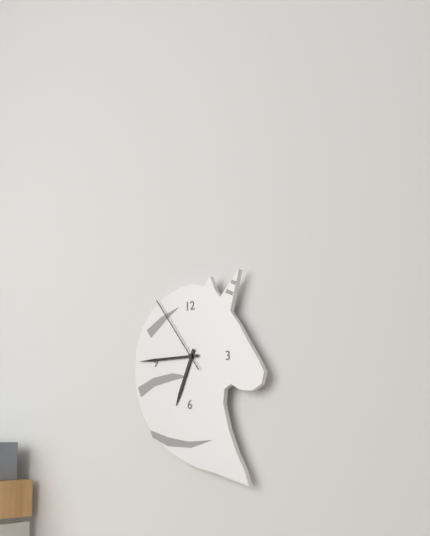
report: 6h45m54s
